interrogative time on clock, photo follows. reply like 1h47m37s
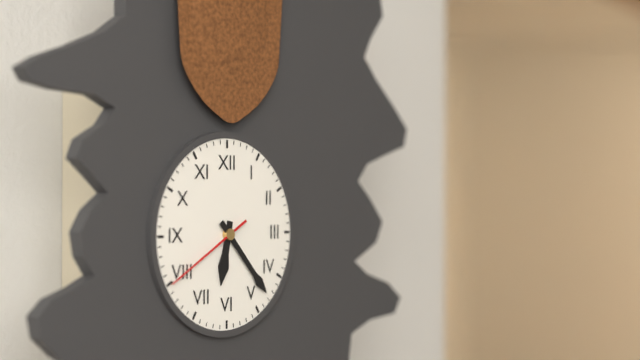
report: 6h23m40s
